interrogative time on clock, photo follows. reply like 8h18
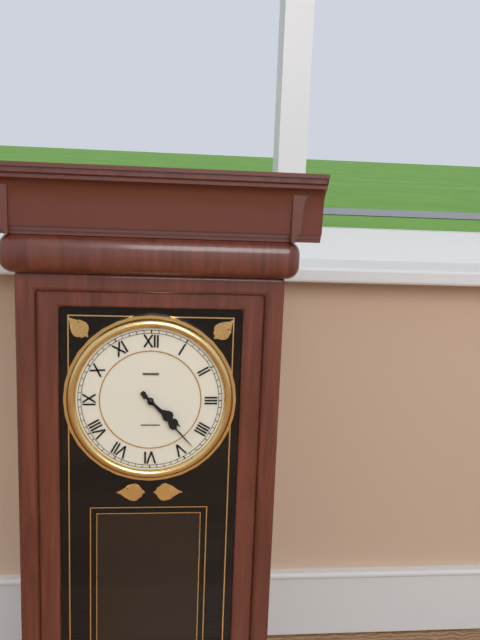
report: 4h23
